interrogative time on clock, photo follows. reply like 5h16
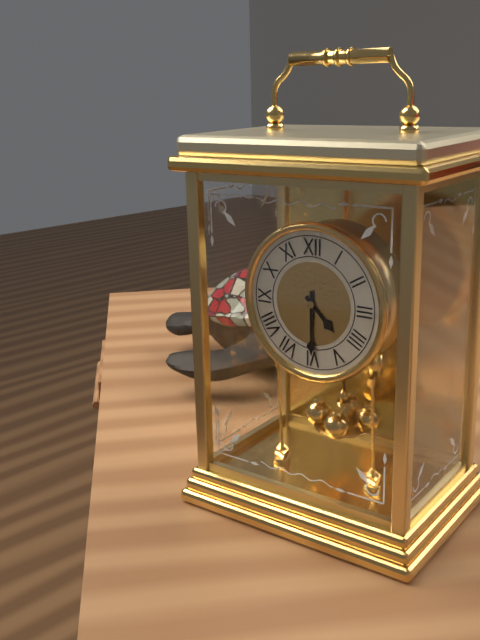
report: 4h30
